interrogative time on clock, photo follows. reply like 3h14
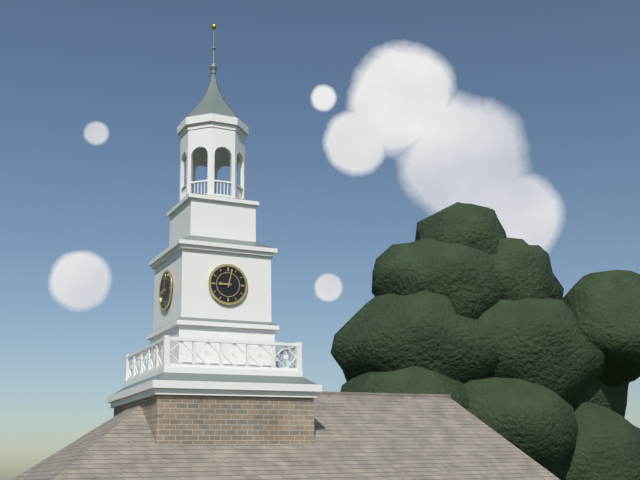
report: 9h02
